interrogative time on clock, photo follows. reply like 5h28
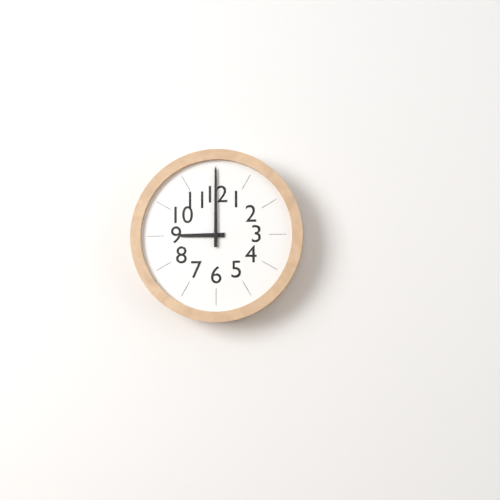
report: 9h00
